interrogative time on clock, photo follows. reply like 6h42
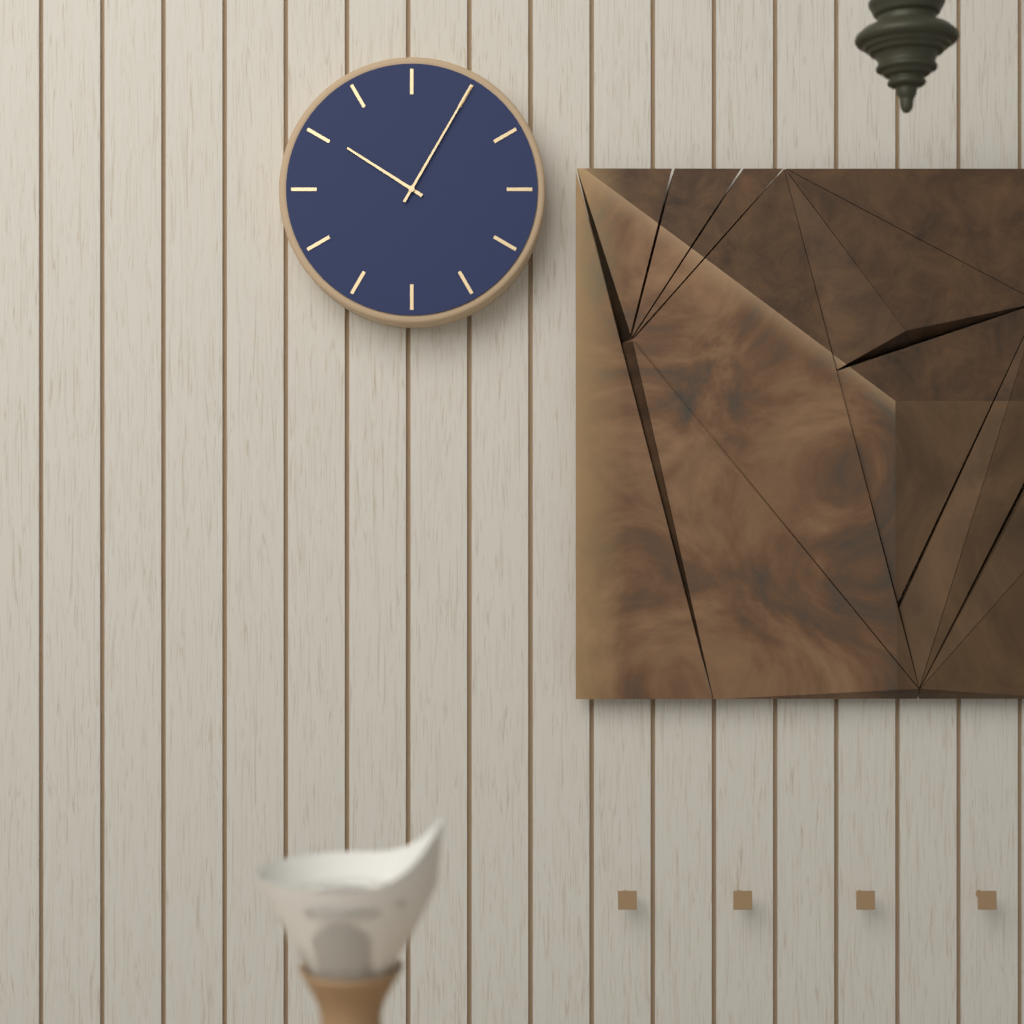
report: 10h05
